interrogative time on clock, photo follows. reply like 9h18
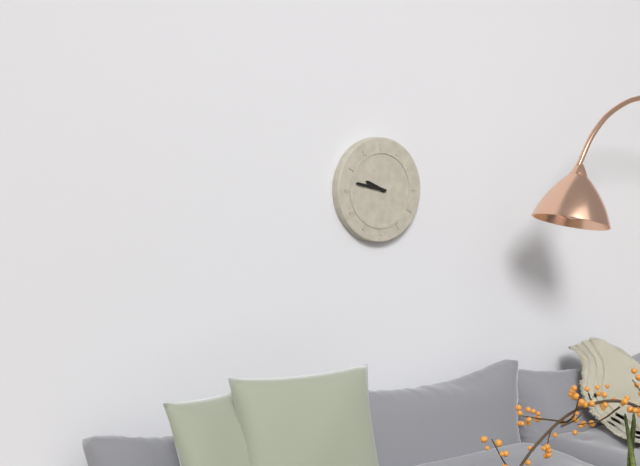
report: 9h47
